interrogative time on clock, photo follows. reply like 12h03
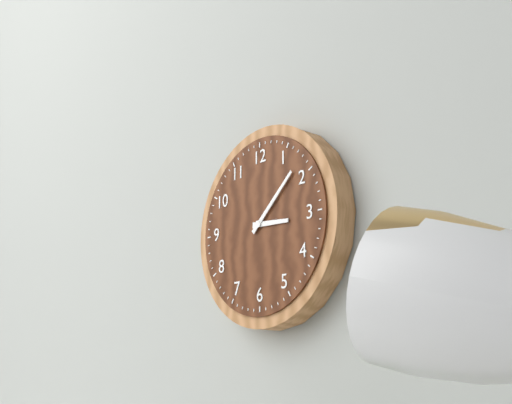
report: 3h08
